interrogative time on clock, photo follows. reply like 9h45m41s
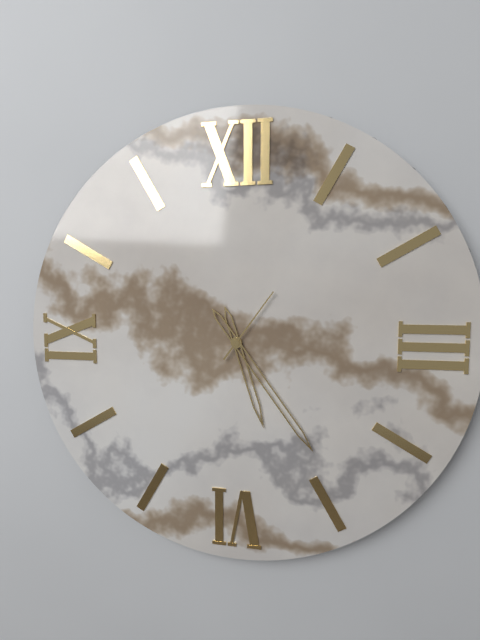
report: 5h24m06s
